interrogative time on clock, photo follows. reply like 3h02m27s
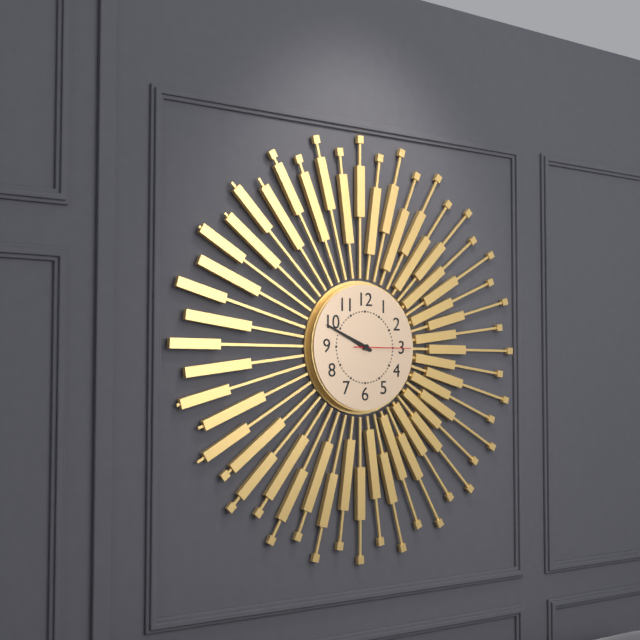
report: 9h49m15s
